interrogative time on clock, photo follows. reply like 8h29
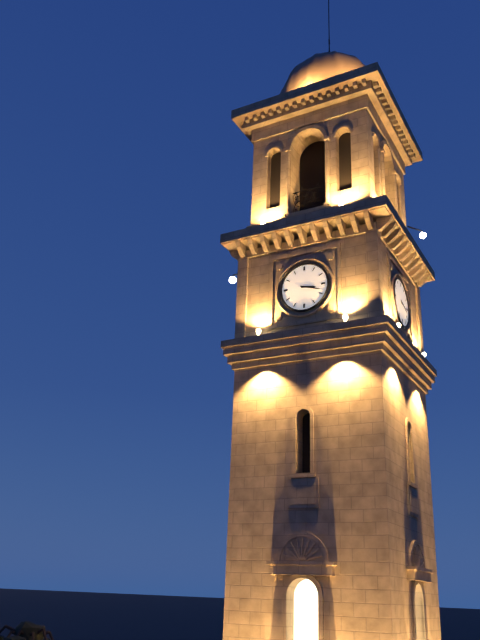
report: 3h18
